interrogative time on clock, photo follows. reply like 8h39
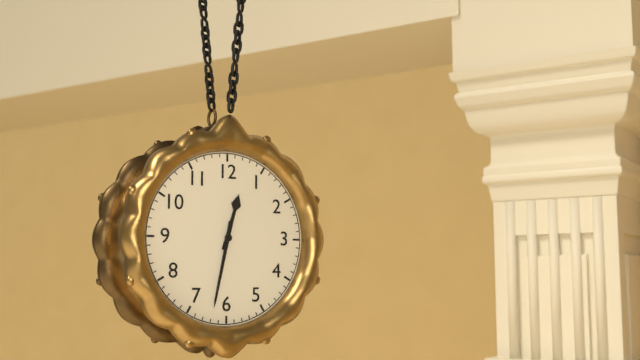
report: 12h32
